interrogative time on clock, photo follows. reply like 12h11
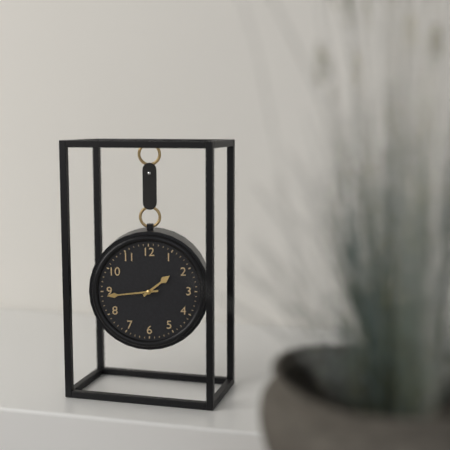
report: 1h44
